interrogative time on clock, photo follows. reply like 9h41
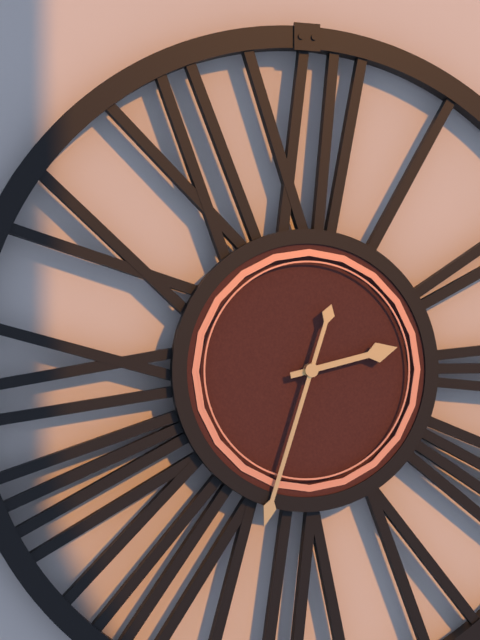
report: 2h33
